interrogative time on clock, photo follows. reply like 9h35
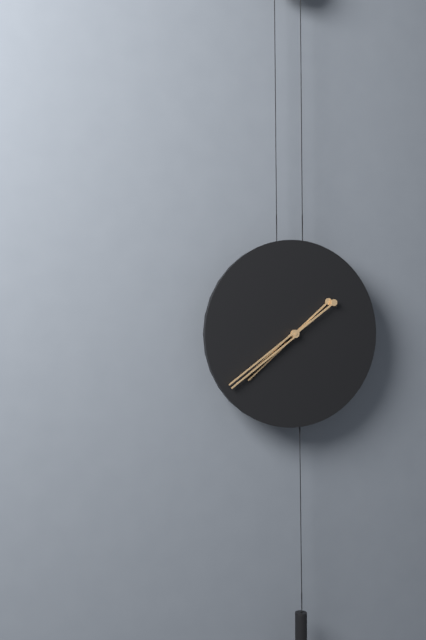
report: 7h39
